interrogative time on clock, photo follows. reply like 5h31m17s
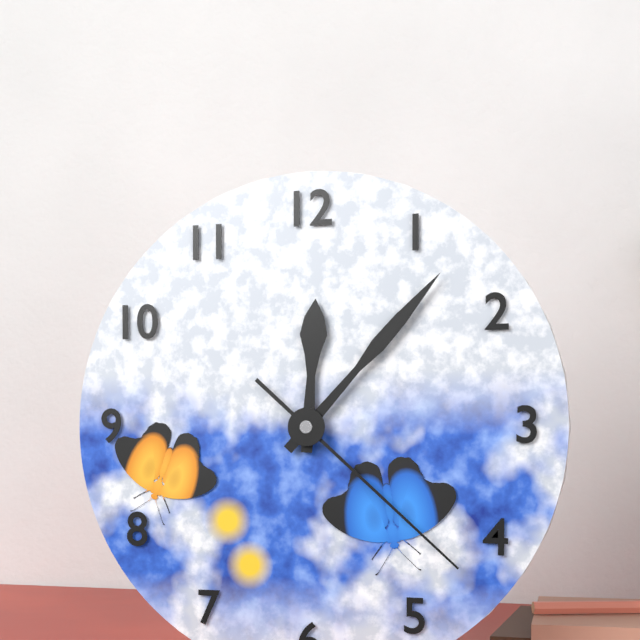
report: 12h07m22s
